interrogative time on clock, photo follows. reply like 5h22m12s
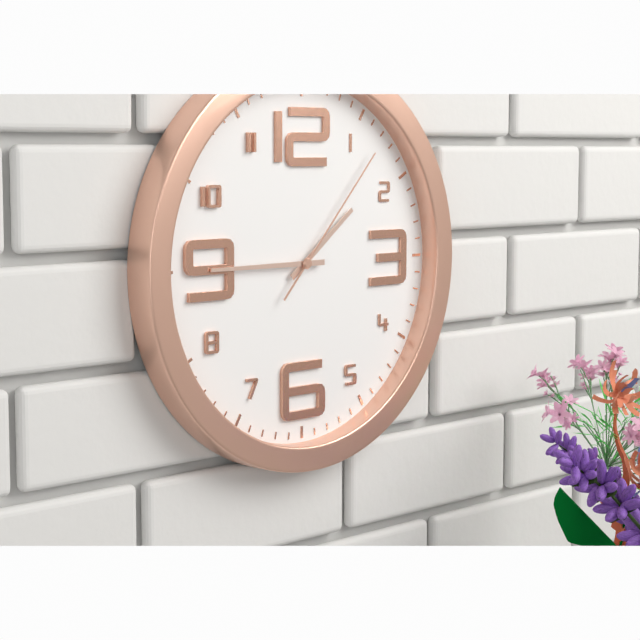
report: 1h45m07s
